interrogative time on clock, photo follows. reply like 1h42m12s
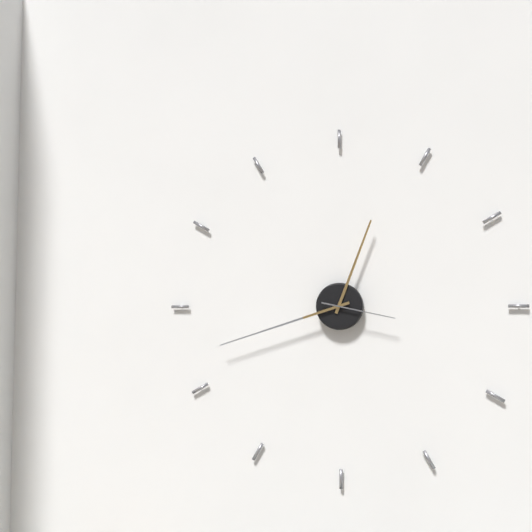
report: 12h42m17s
